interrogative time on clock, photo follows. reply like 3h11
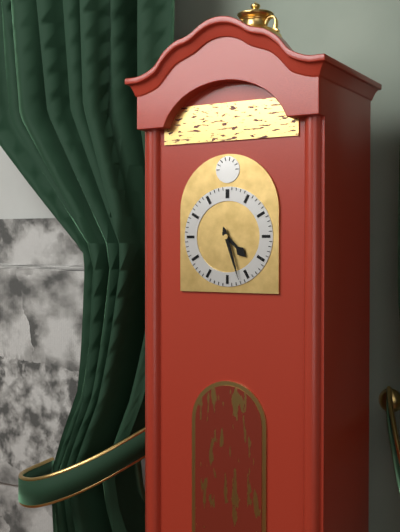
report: 4h27
